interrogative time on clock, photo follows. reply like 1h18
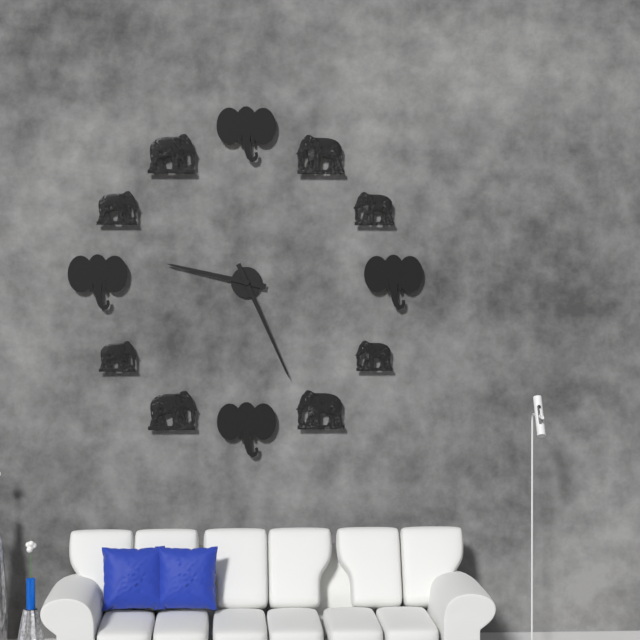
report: 9h26
